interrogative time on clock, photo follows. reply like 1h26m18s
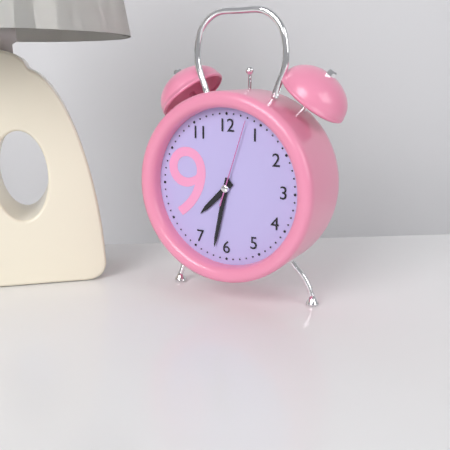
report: 7h32m03s
